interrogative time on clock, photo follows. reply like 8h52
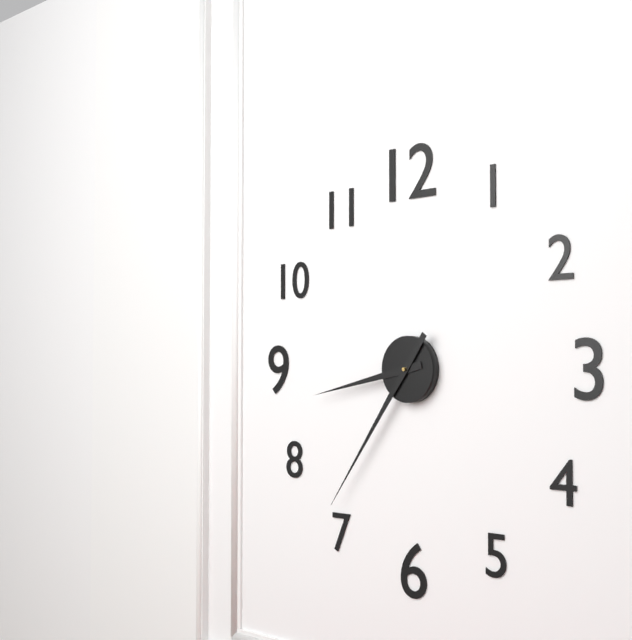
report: 8h36
